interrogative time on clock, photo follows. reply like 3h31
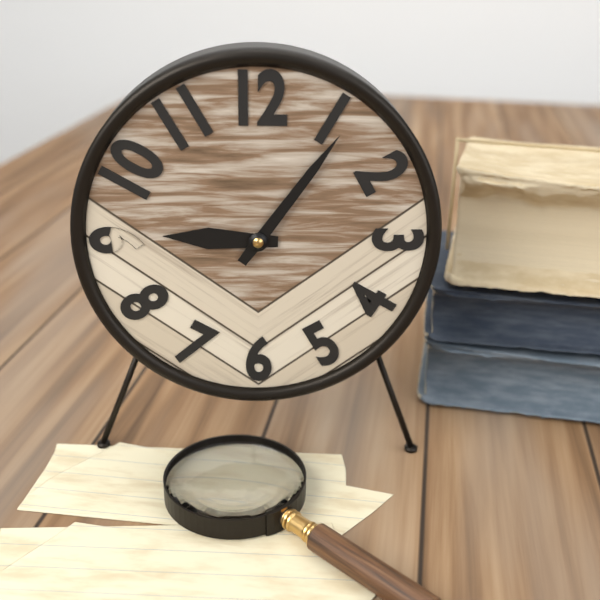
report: 9h06
